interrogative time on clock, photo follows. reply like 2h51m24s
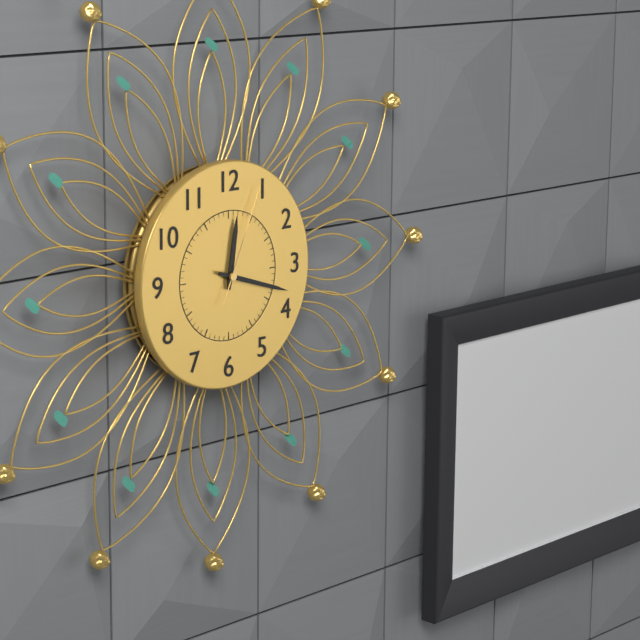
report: 12h18m04s
